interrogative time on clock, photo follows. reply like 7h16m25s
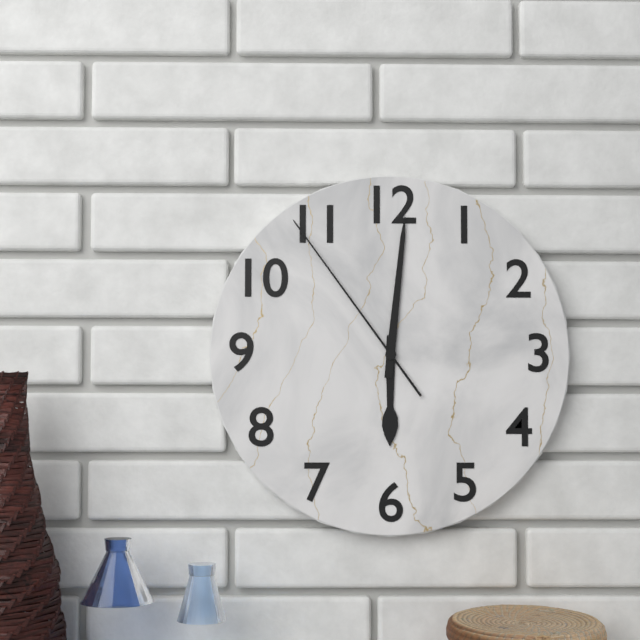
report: 6h01m54s
